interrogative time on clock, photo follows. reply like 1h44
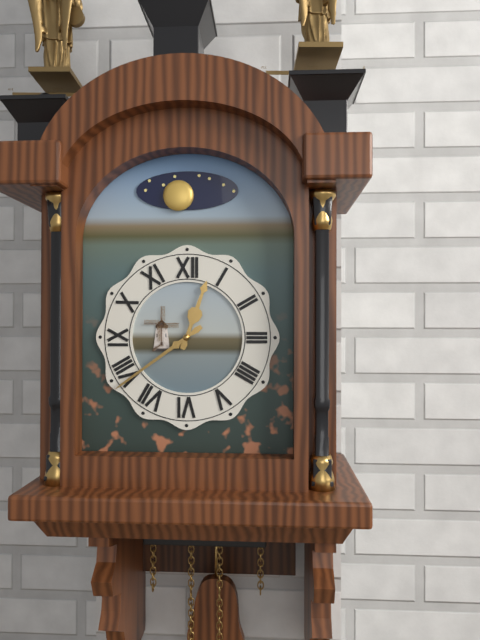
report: 12h39
